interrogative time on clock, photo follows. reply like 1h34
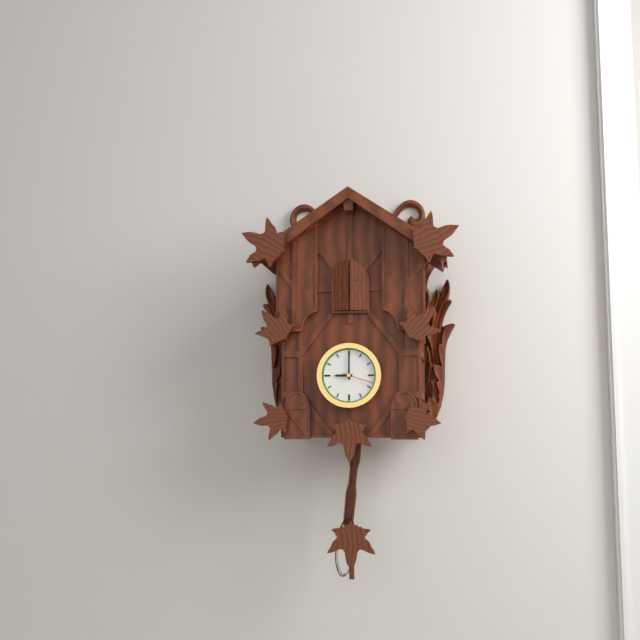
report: 9h00
